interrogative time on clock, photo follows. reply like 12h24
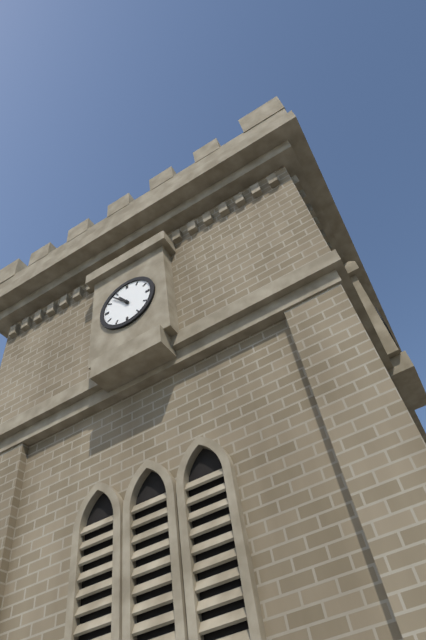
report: 10h53
